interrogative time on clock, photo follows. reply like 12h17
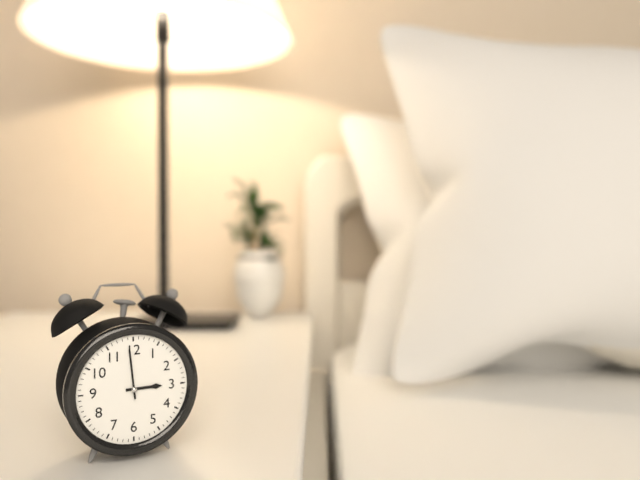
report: 2h59
